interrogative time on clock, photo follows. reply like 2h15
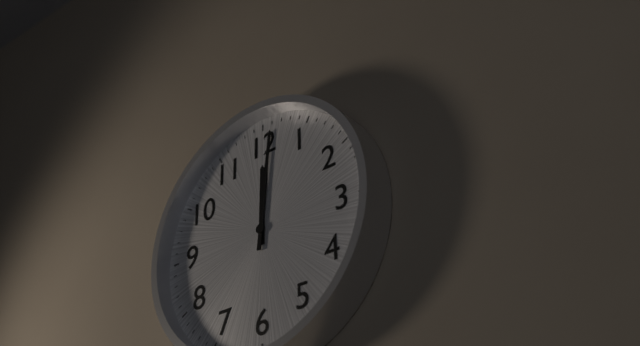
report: 12h01
